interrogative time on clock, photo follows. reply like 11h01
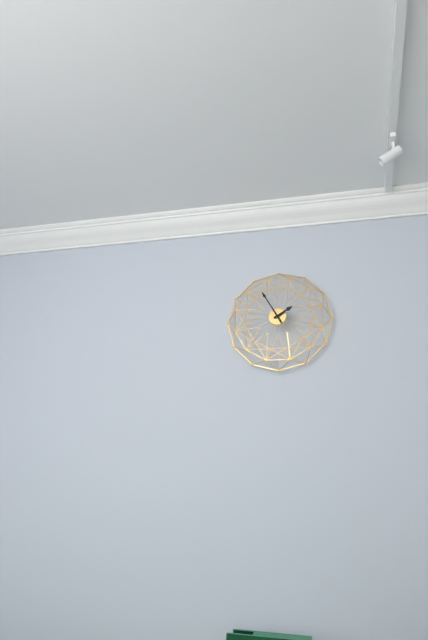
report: 1h55
